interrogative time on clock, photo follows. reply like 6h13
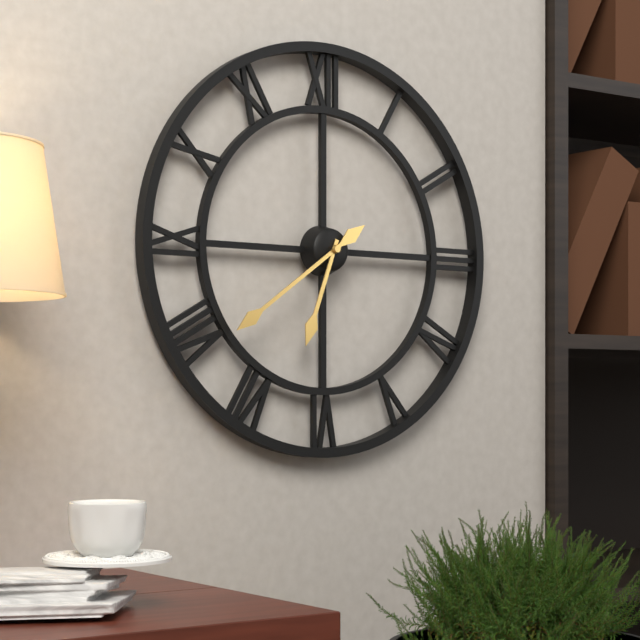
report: 6h39
